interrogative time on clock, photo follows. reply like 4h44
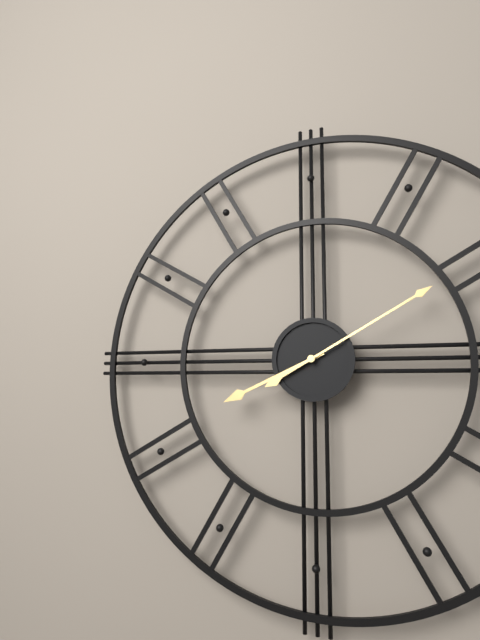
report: 8h10
